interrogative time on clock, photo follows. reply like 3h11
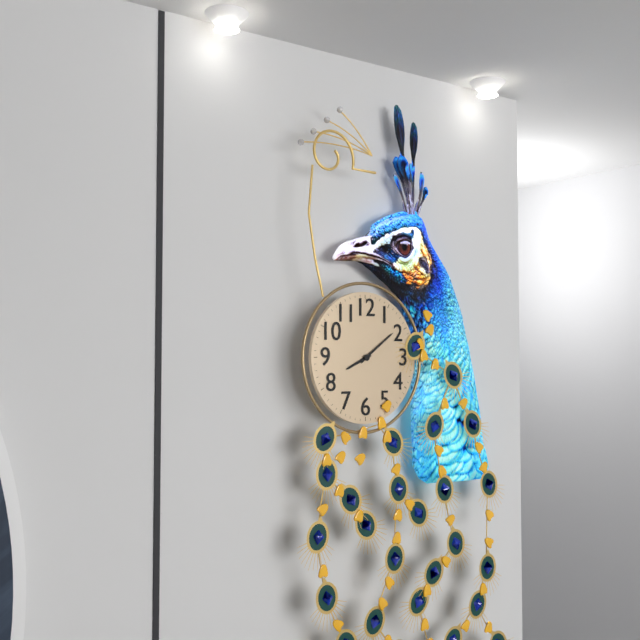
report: 8h09
